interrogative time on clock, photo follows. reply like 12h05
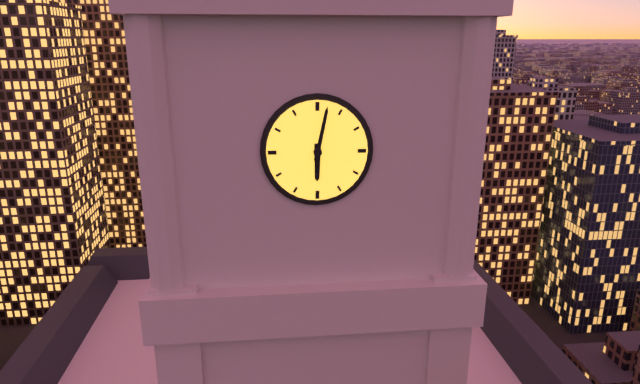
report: 6h02
